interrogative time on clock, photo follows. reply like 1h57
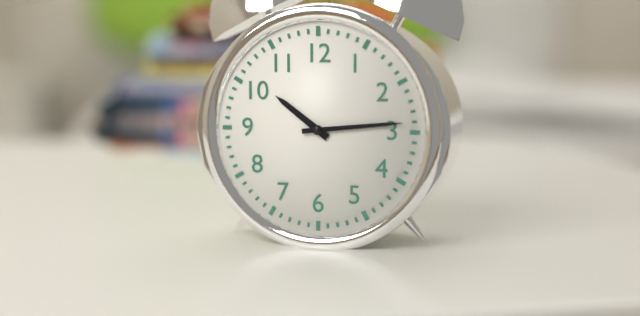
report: 10h14
